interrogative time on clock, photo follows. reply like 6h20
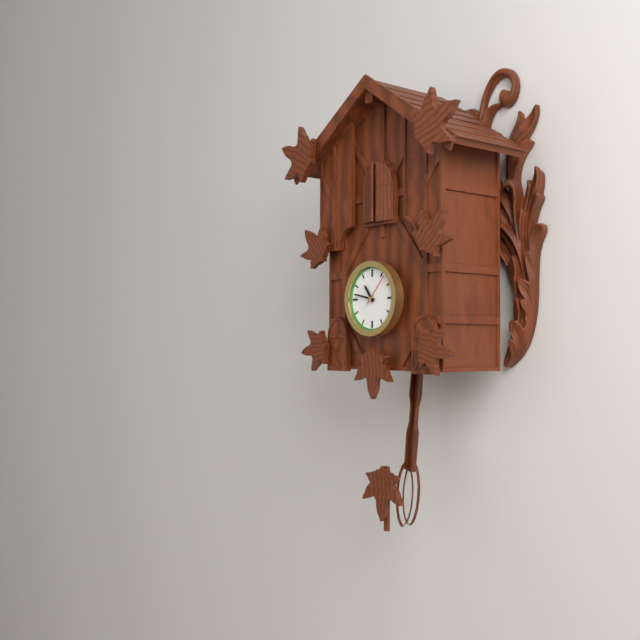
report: 10h47
